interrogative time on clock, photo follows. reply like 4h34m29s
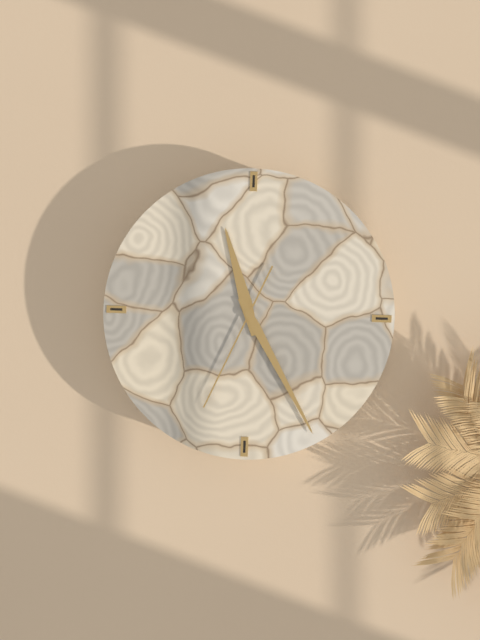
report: 11h25m34s
